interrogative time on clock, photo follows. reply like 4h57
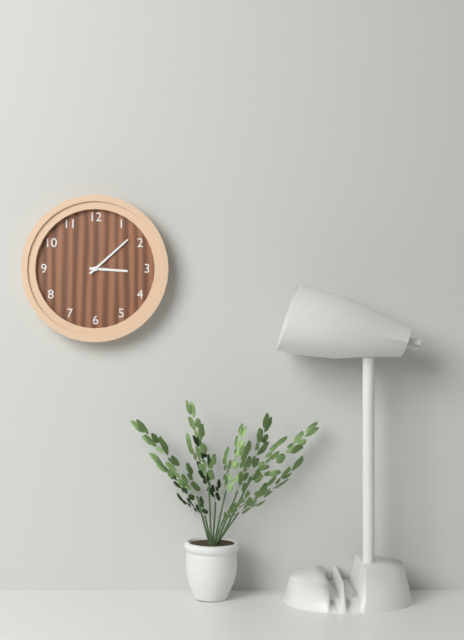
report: 3h08
